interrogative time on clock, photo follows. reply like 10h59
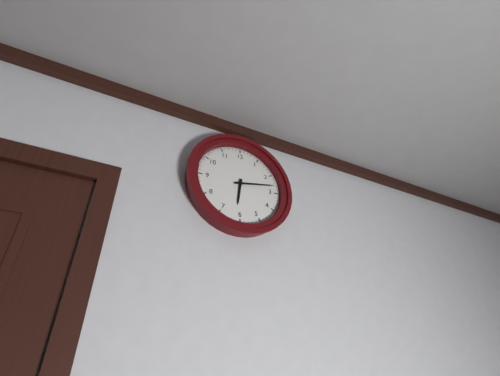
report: 6h13
